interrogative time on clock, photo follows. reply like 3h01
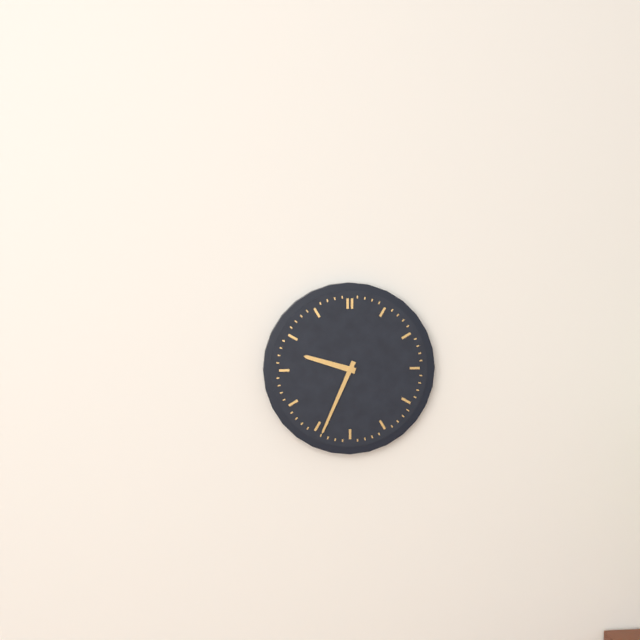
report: 9h34
